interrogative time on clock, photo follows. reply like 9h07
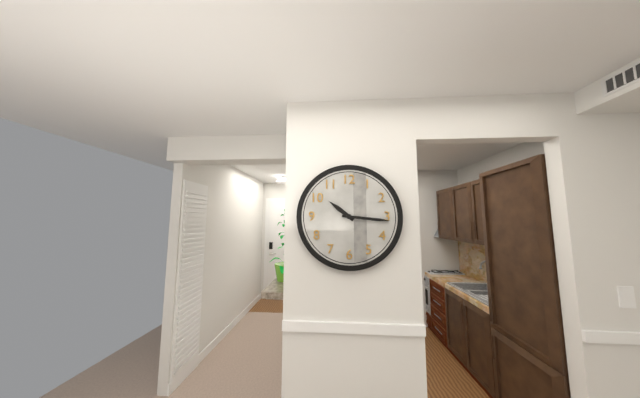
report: 10h16
